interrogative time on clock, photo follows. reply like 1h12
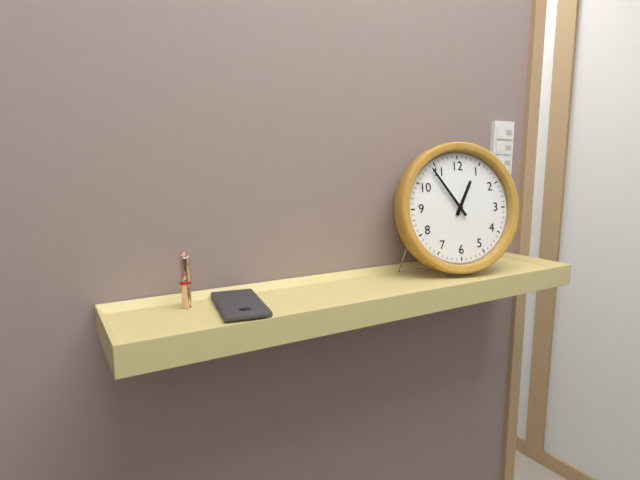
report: 12h54
